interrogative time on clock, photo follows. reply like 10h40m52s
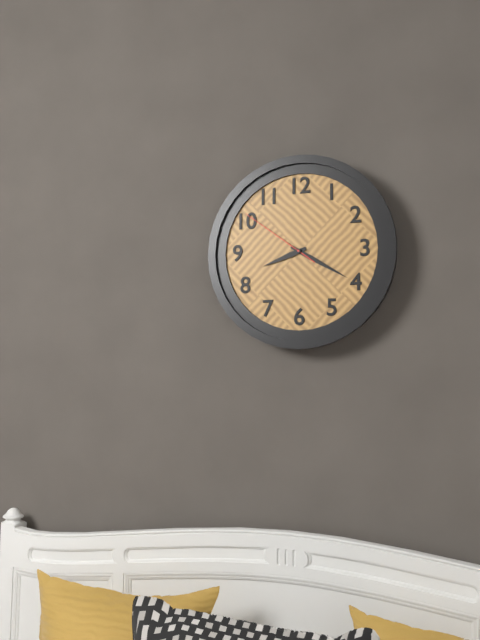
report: 8h20m51s
